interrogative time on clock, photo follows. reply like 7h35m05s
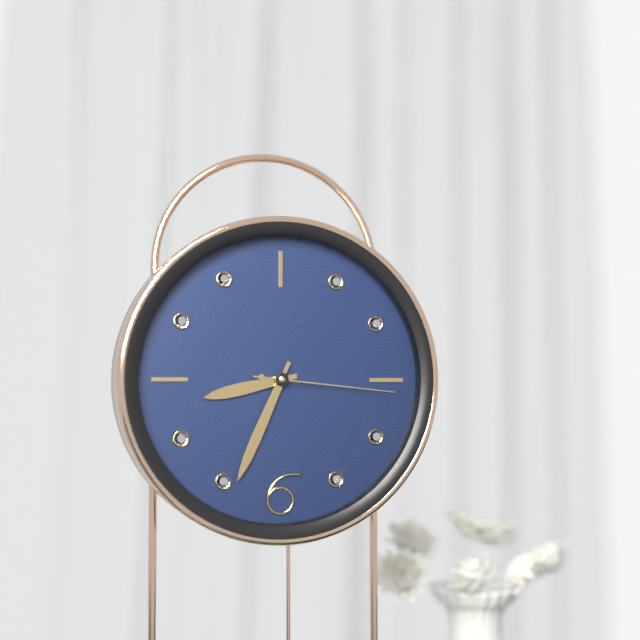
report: 8h34m16s
